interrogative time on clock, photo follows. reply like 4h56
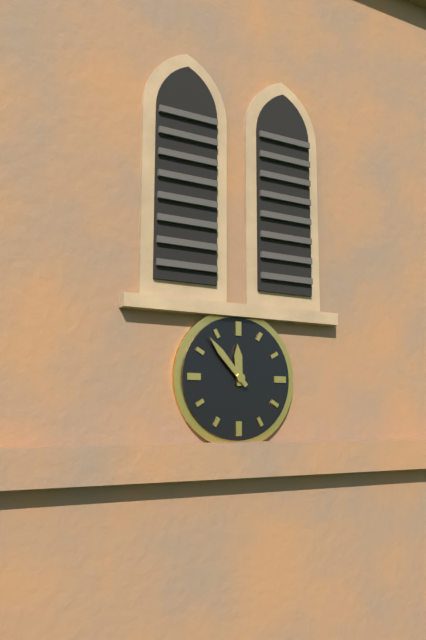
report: 11h53
